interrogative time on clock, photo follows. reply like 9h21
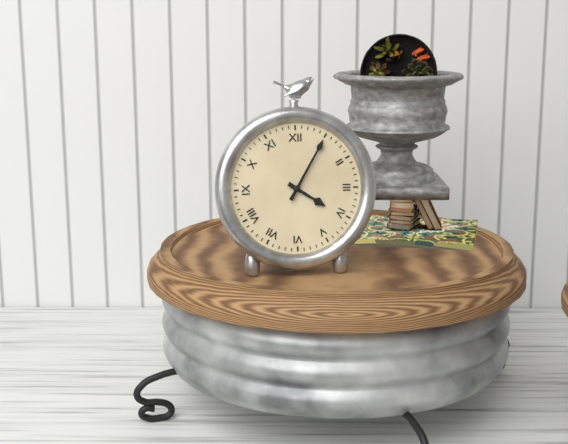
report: 4h05
